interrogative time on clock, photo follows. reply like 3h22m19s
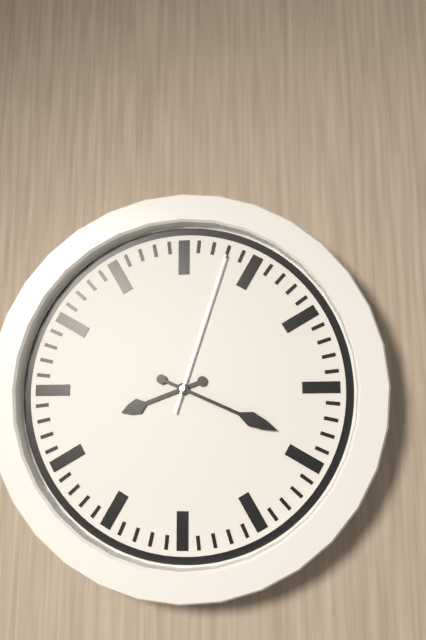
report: 8h19m03s
